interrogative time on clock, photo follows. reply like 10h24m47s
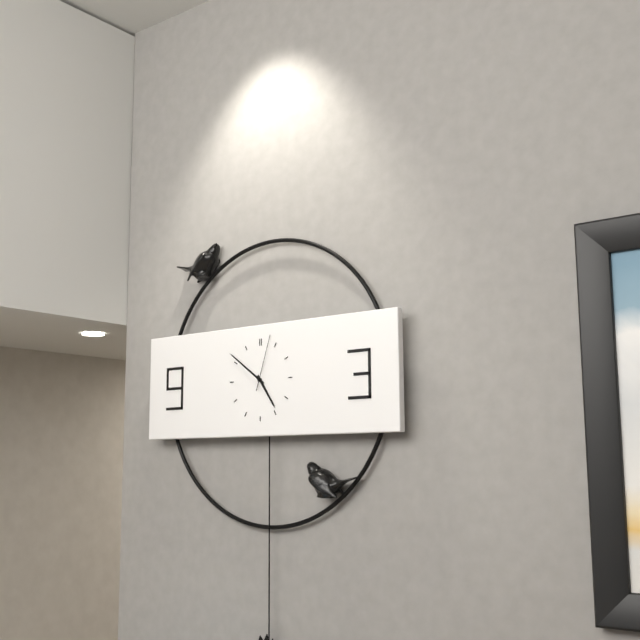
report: 4h51m03s
